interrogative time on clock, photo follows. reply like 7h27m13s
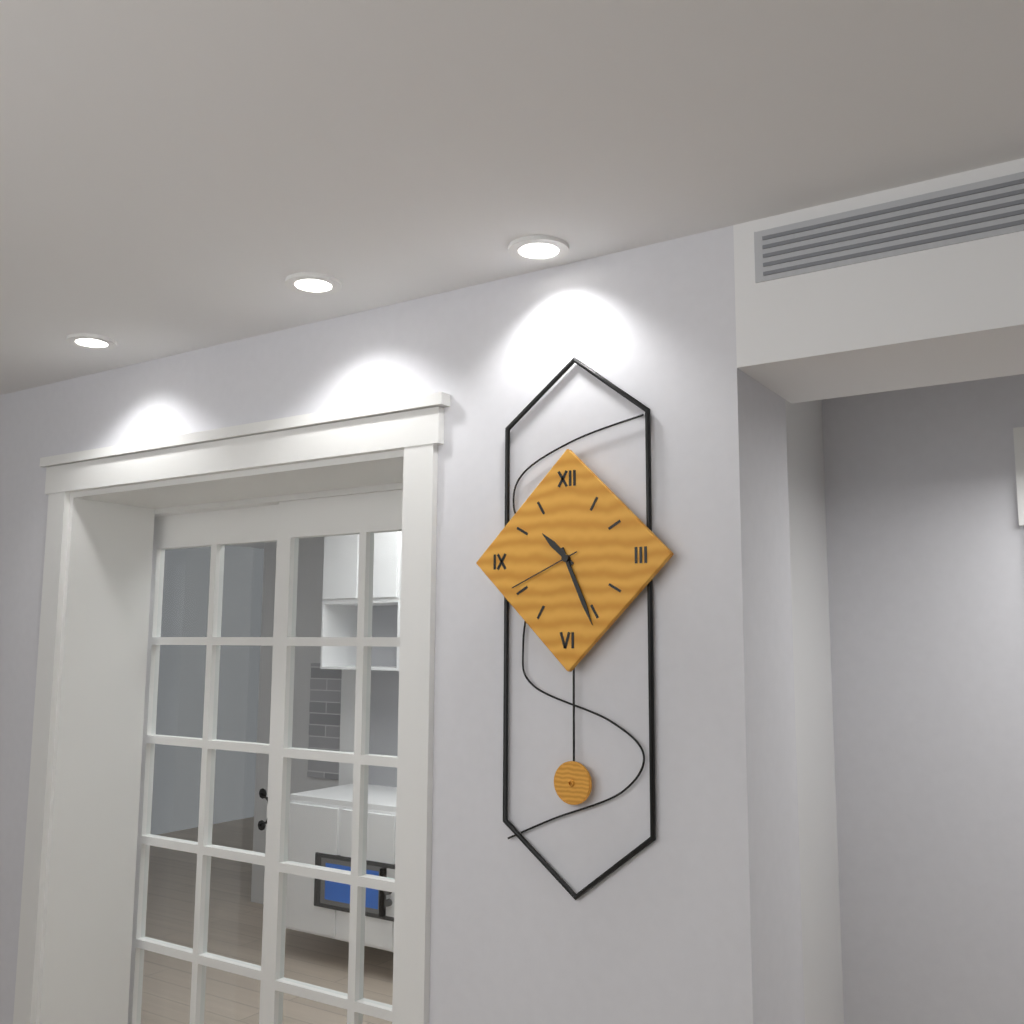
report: 10h26m41s
